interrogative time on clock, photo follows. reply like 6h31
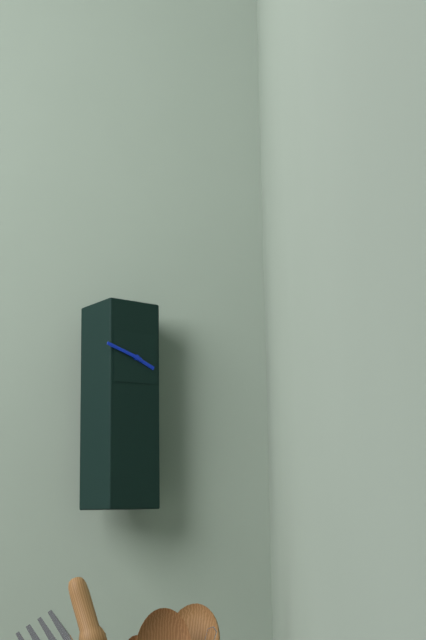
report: 3h48
